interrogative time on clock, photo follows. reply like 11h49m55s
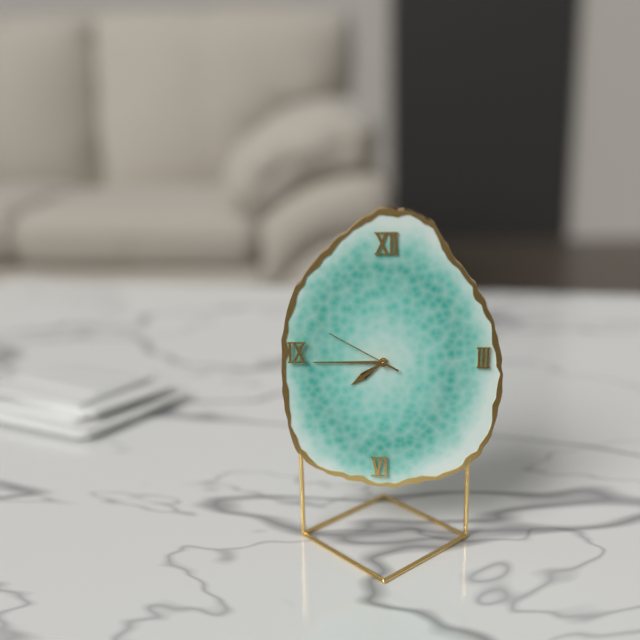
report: 7h45m50s
